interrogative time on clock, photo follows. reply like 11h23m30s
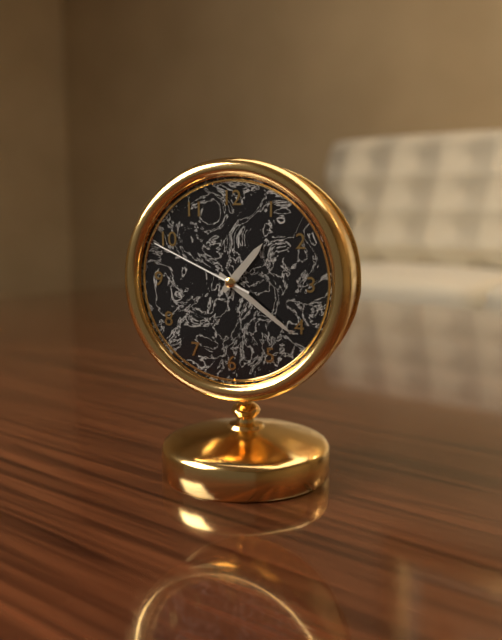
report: 1h21m49s
